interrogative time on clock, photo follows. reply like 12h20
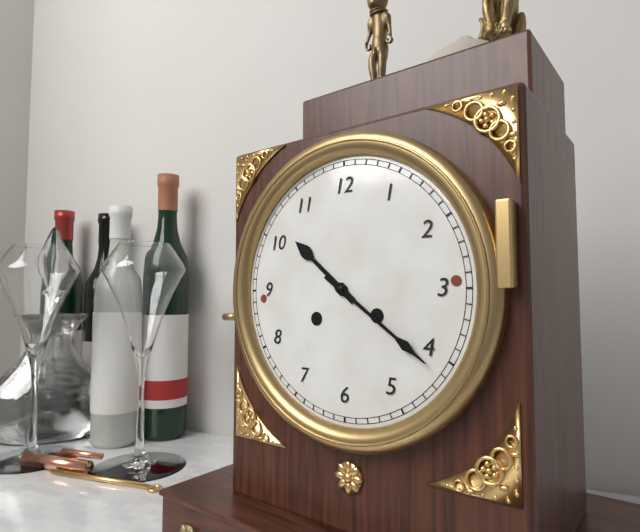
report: 10h21
